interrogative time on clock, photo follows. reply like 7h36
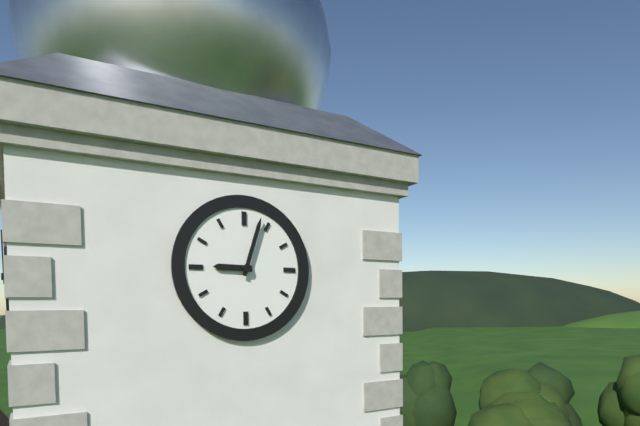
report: 9h03
